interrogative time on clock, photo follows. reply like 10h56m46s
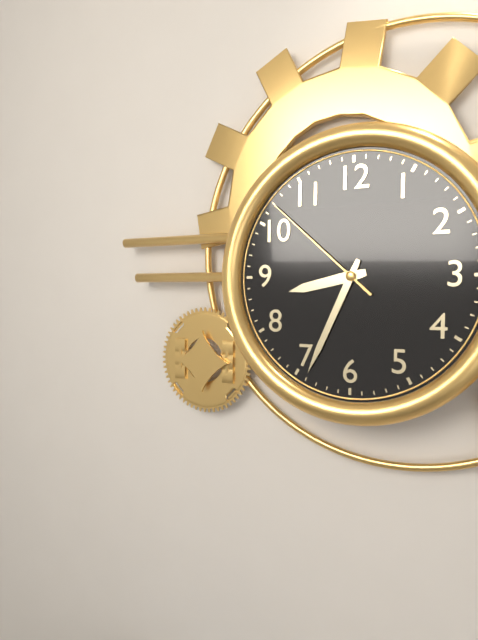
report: 8h34m52s
